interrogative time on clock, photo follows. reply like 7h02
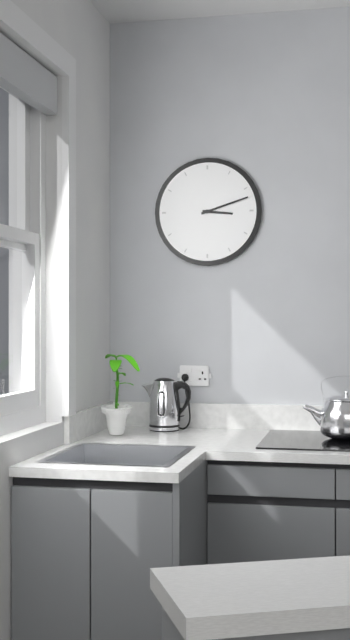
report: 3h12
